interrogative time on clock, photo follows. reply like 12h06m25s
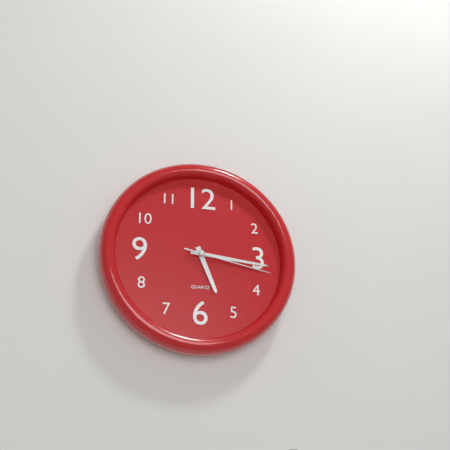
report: 5h16m17s
